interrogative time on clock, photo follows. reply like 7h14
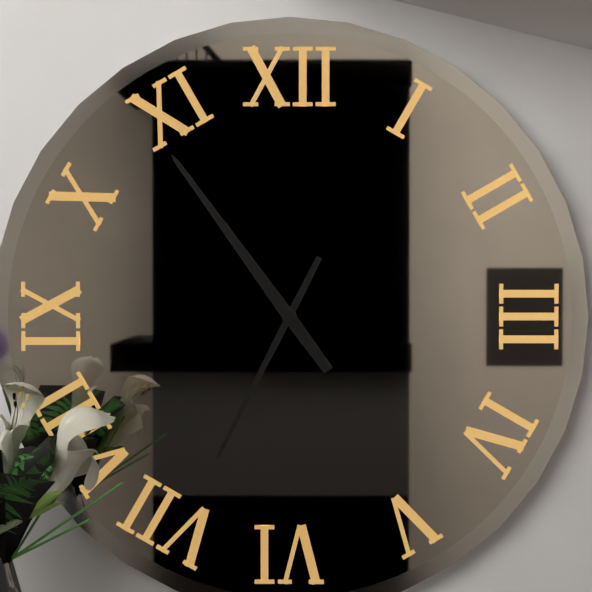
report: 6h54
